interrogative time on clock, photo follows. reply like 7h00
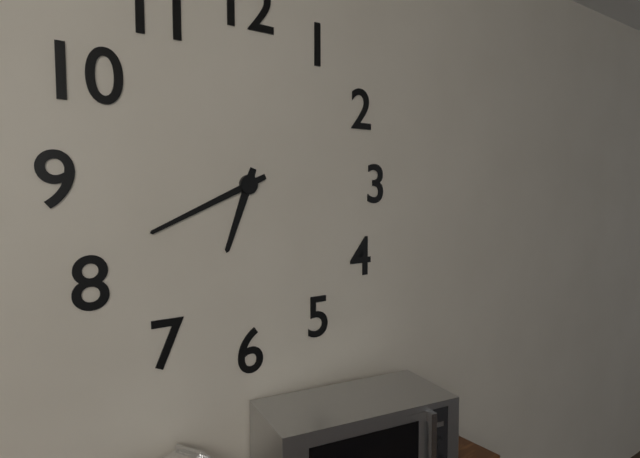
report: 6h41
